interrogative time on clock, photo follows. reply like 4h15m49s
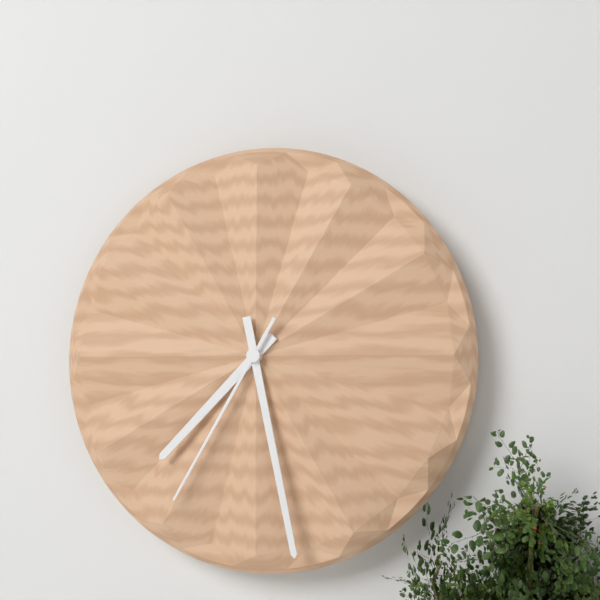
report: 7h28m35s
